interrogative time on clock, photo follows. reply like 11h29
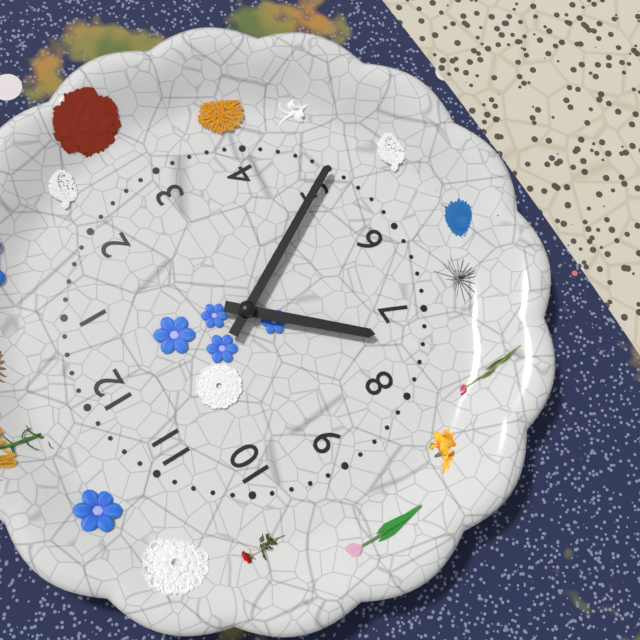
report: 7h25
